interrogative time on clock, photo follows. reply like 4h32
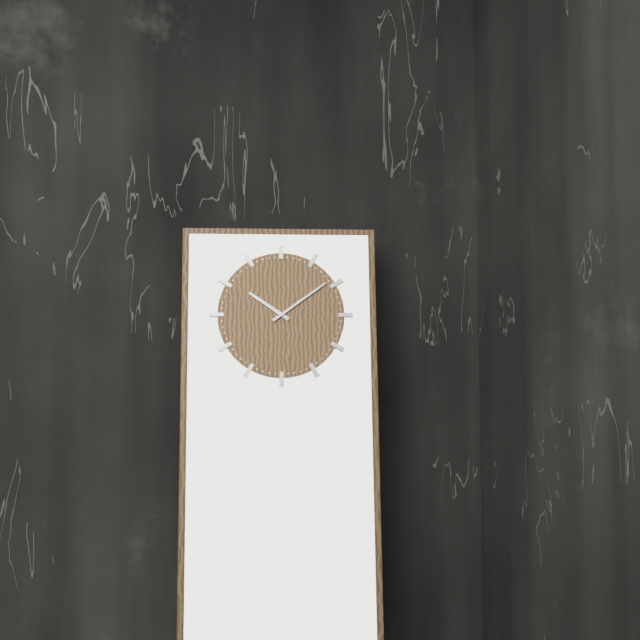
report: 10h09
